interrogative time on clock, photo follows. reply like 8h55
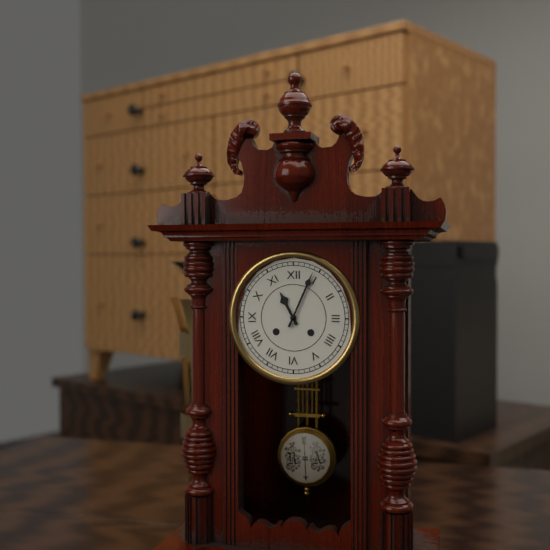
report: 11h04
